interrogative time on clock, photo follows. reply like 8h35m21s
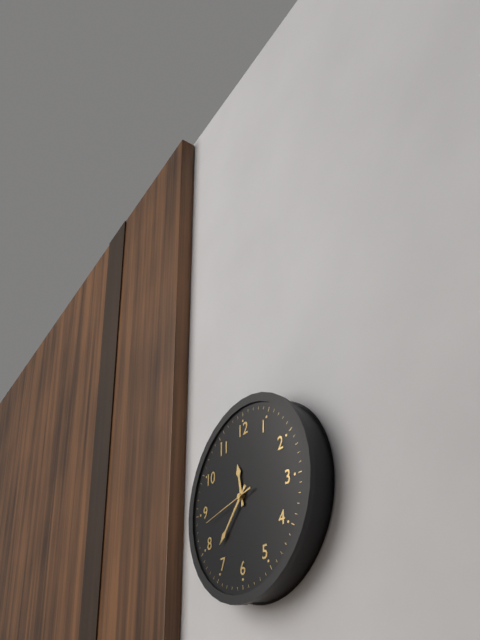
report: 11h37m43s
